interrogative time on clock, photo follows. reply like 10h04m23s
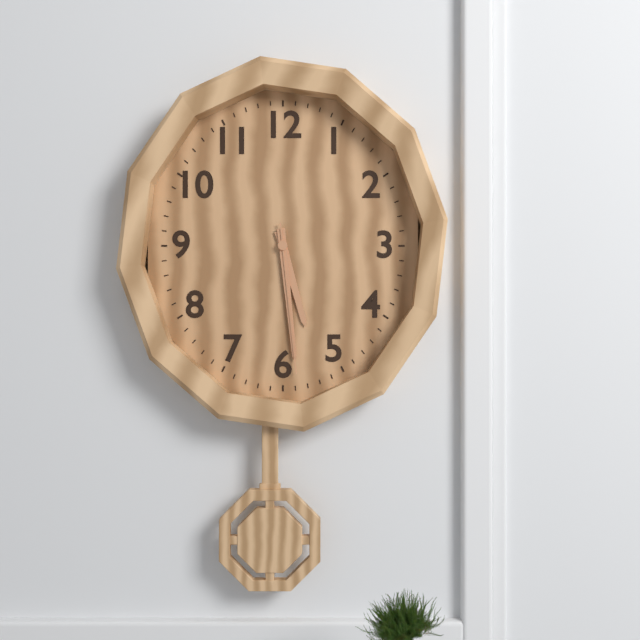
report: 5h29m29s
